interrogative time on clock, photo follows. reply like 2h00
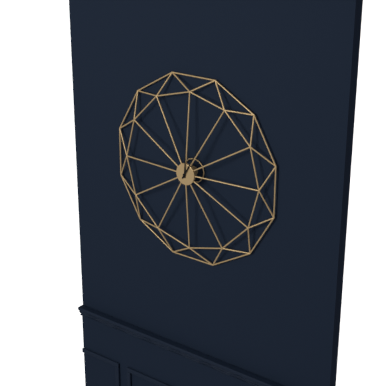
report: 12h05
